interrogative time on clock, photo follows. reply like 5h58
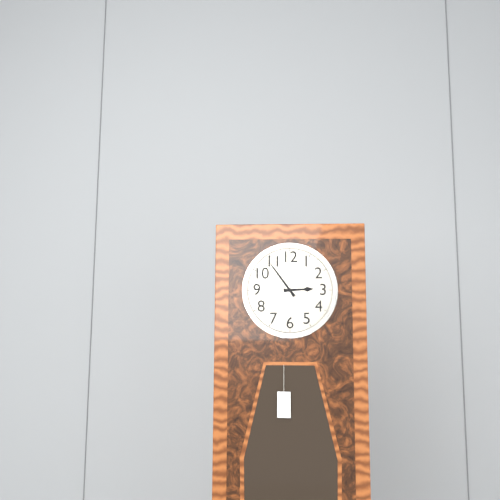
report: 2h54
